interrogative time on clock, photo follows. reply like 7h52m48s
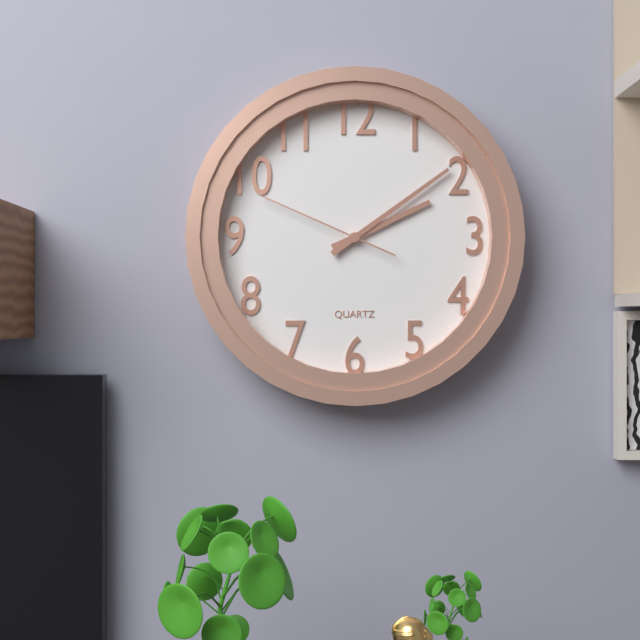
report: 2h09m49s
